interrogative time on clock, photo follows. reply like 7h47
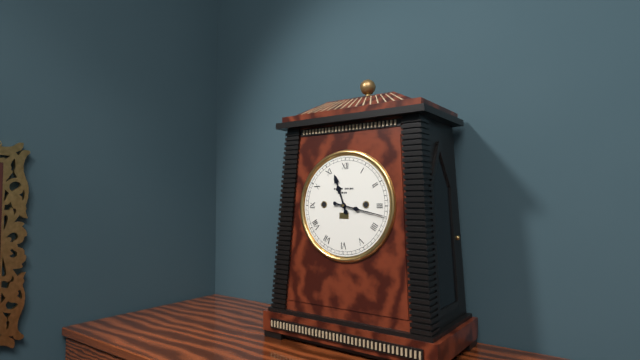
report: 11h17
